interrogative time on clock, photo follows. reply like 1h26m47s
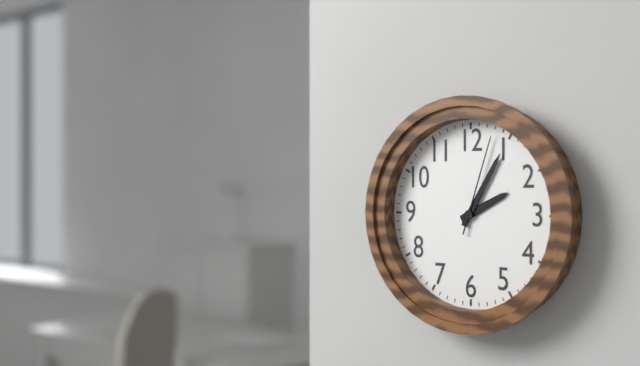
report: 2h05m03s
